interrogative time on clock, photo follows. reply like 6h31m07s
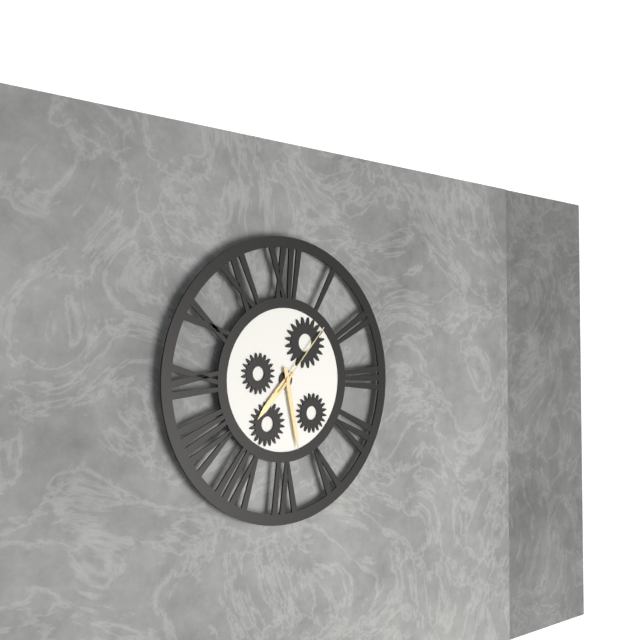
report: 7h28m07s
